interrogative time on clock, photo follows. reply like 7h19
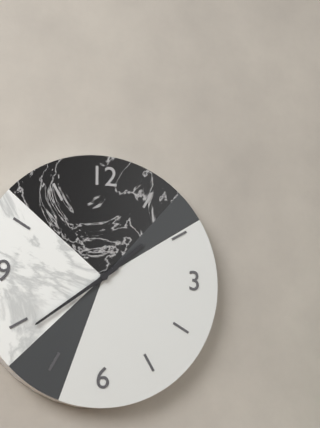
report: 1h39
